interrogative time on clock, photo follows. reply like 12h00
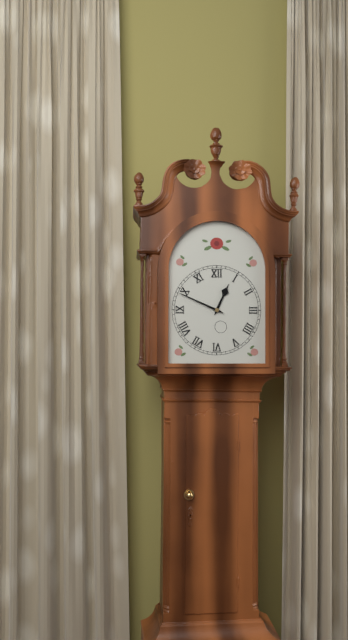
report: 12h49
